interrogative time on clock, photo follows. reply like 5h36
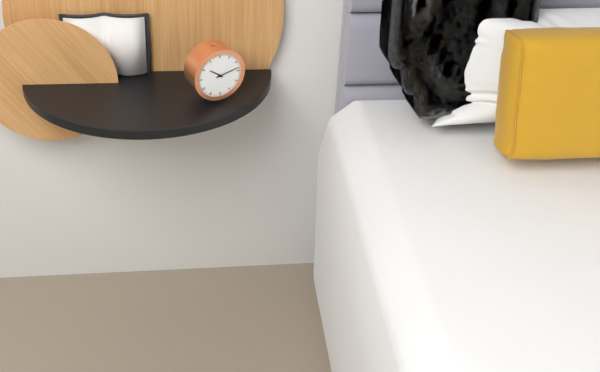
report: 10h13
